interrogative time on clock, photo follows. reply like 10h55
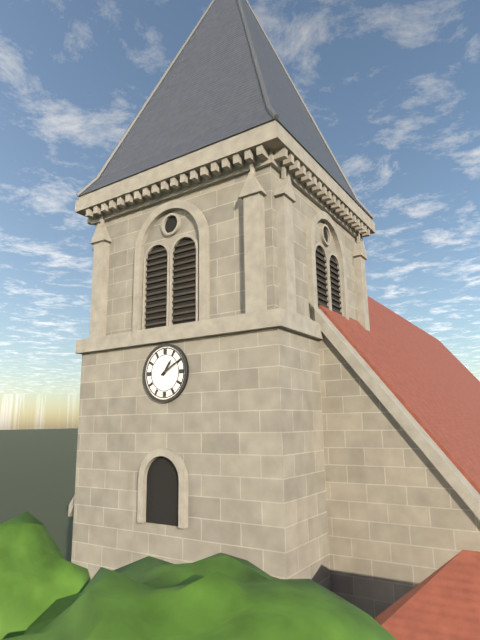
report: 1h10
